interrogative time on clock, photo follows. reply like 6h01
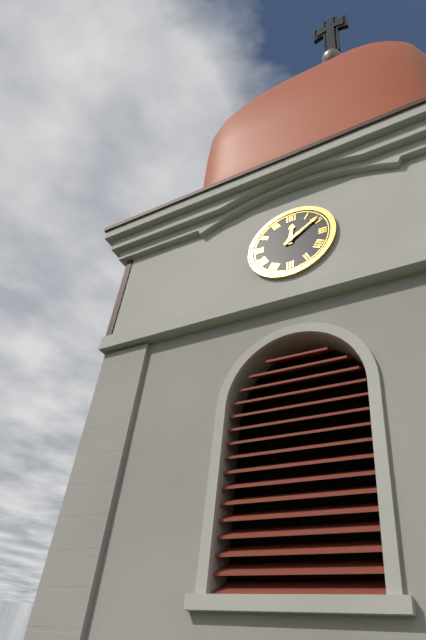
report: 12h09
